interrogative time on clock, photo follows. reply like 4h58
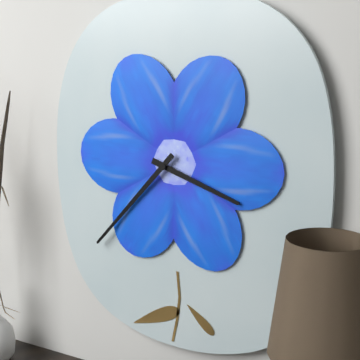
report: 3h37
